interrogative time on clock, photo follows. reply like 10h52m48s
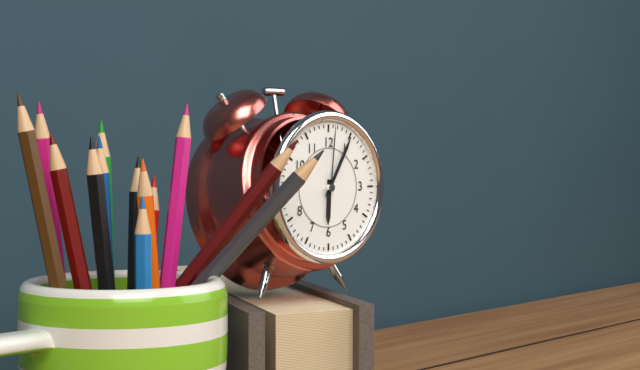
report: 6h05m01s
